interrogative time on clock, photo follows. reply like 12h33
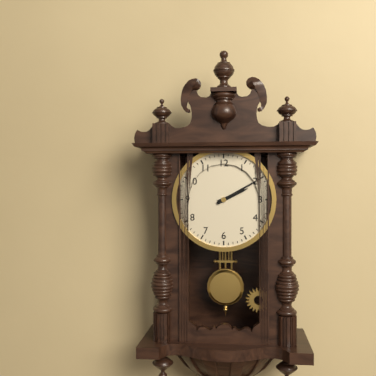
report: 2h10
